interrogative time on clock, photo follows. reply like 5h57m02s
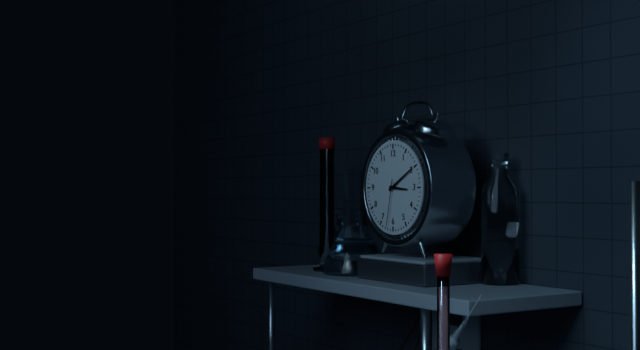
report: 3h10m32s
